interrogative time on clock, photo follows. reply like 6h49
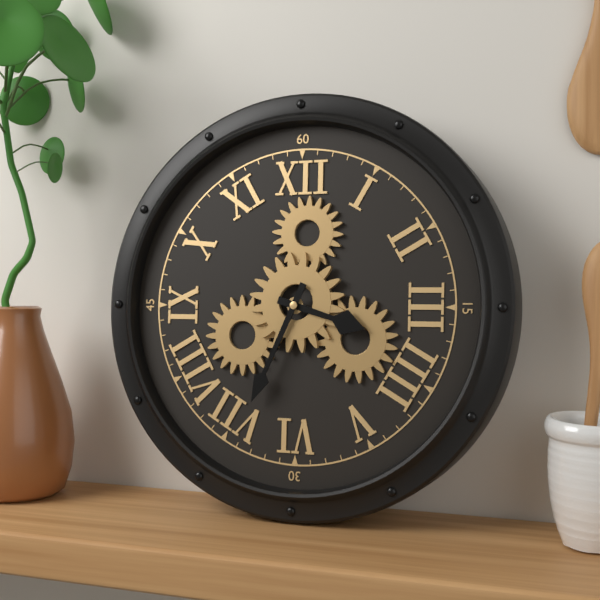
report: 3h34
